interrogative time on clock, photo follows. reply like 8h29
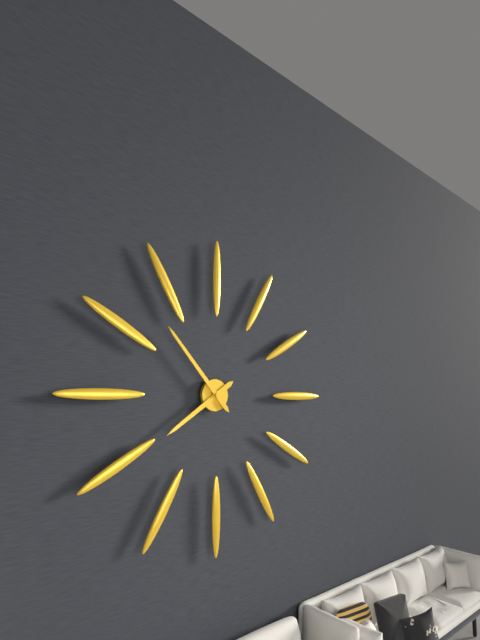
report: 7h53
